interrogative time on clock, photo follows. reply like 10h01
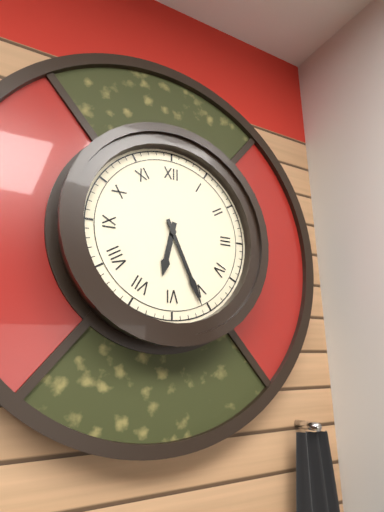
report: 6h26
